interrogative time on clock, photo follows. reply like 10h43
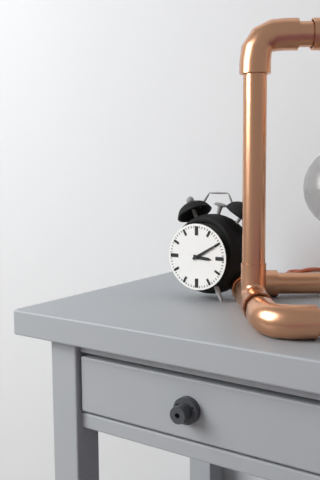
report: 3h10
